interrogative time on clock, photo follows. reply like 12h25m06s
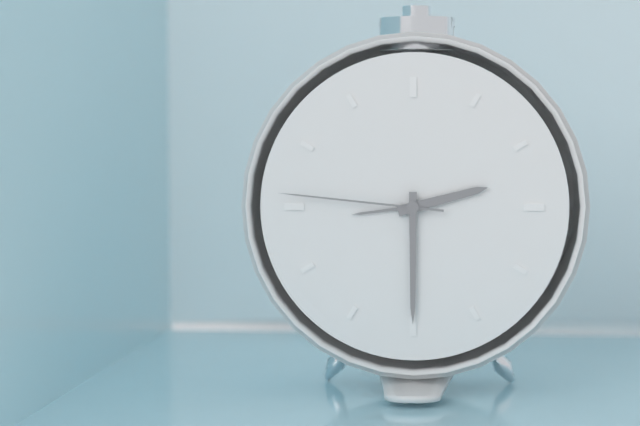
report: 2h30m46s
